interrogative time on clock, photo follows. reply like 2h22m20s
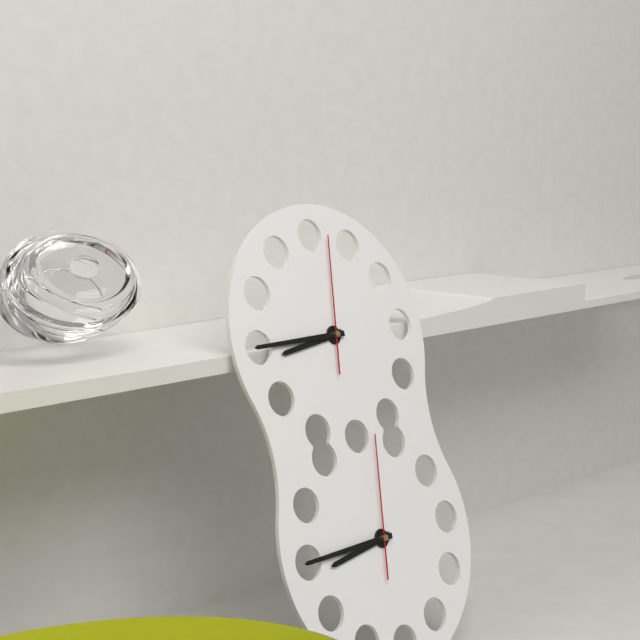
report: 8h45m02s
